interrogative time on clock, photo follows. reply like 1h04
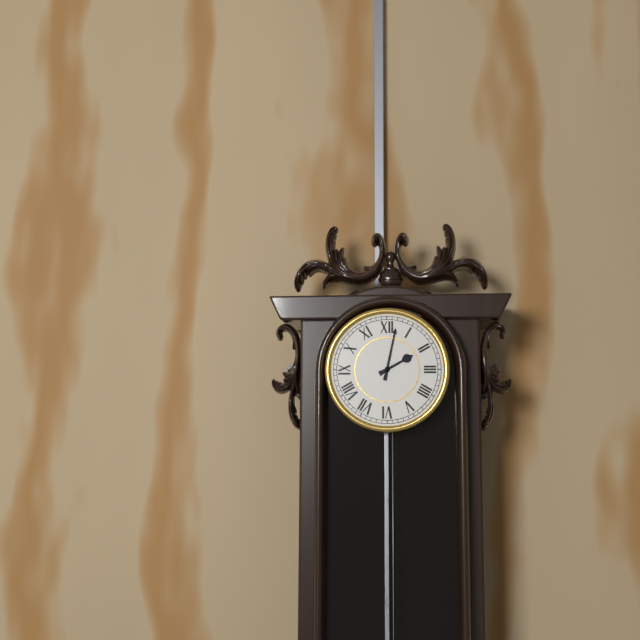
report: 2h02
